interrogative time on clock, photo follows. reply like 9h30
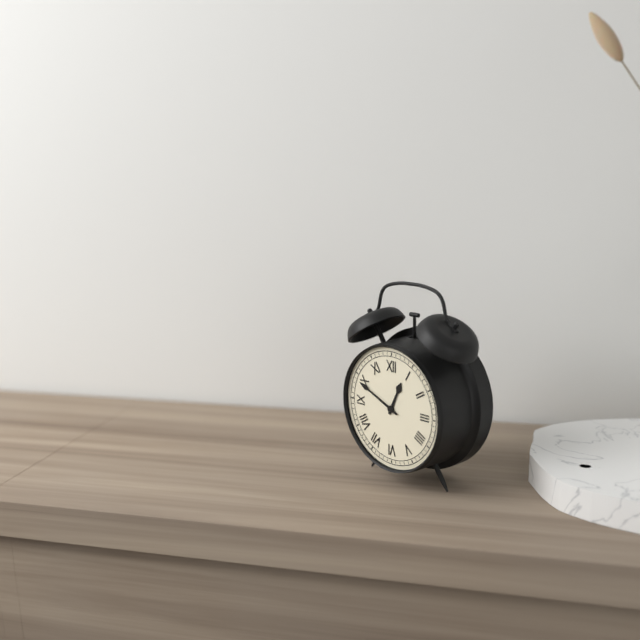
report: 12h49
